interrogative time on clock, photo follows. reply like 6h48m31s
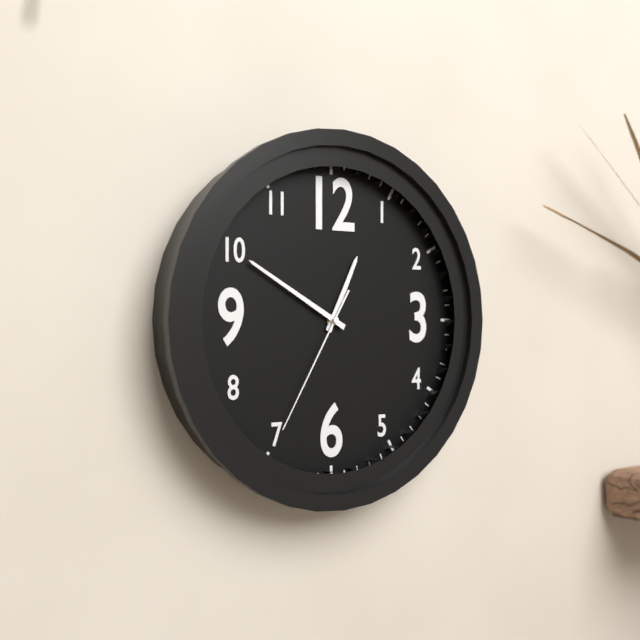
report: 12h50m35s
